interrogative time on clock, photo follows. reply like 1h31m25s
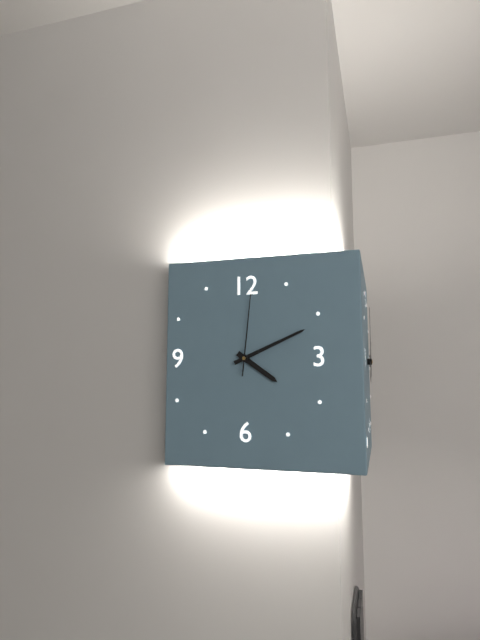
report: 4h11m01s
